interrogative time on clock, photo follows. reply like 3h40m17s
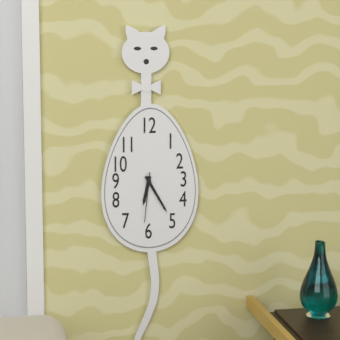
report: 6h25m31s
